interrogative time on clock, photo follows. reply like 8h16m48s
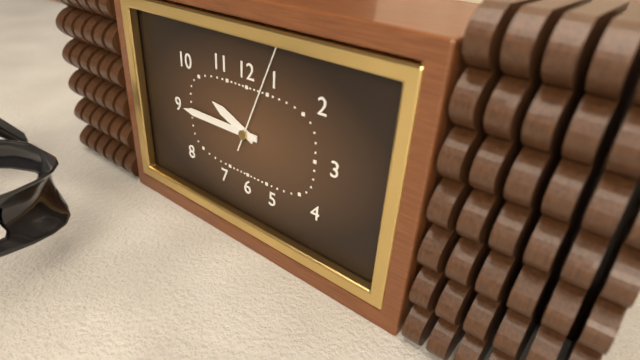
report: 9h45m04s
